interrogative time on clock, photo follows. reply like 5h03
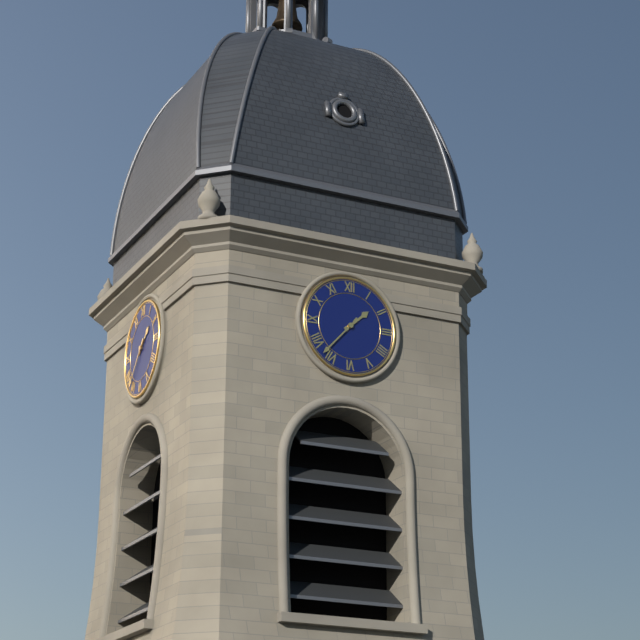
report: 1h37
